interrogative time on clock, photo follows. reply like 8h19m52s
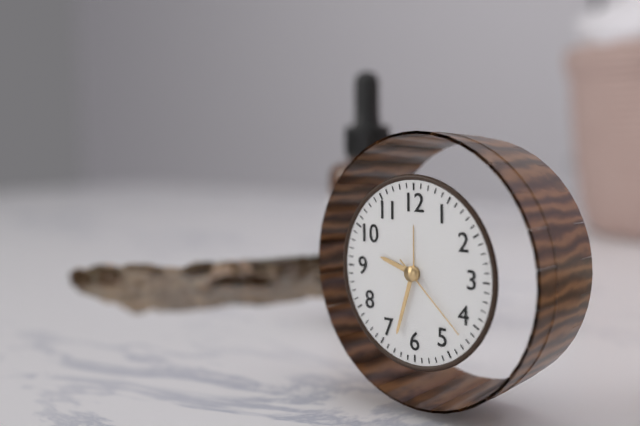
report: 9h33m22s
